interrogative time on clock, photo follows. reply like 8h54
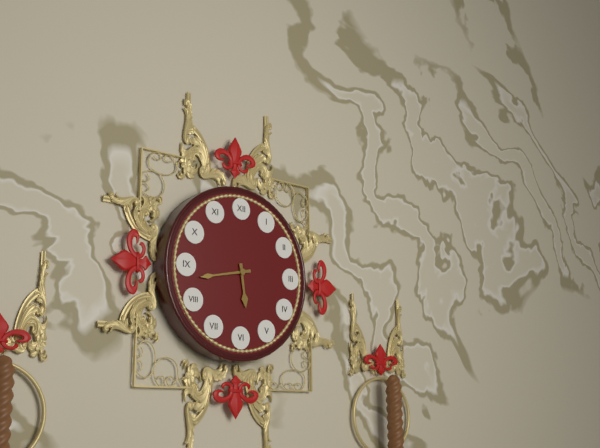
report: 5h43
